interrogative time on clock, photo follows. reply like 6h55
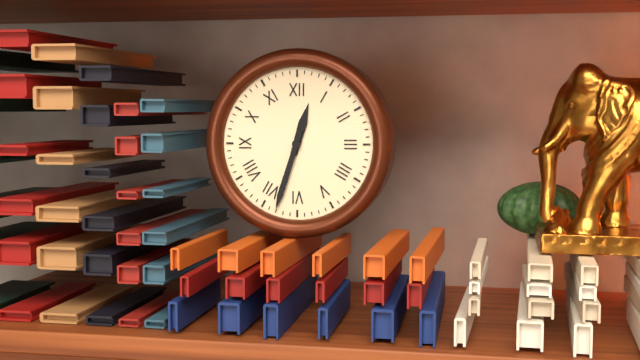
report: 12h33
